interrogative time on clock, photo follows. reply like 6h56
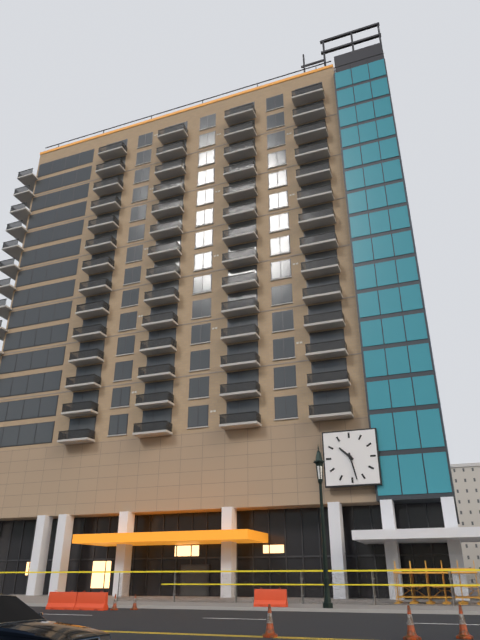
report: 10h28
